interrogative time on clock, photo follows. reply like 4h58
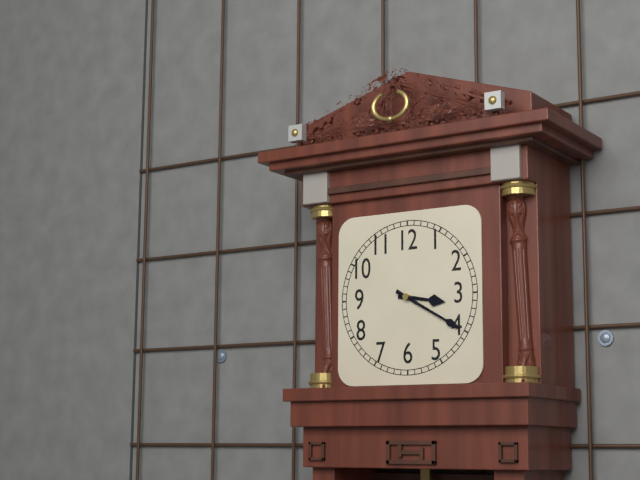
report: 3h20
